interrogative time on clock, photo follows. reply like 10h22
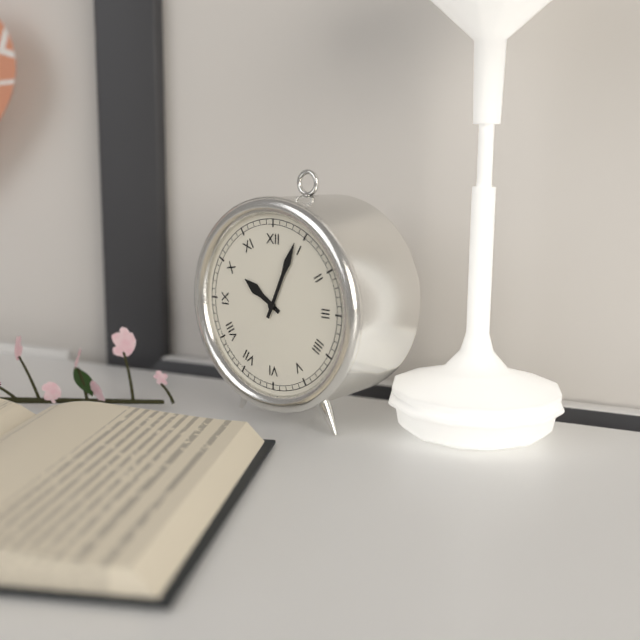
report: 10h04
